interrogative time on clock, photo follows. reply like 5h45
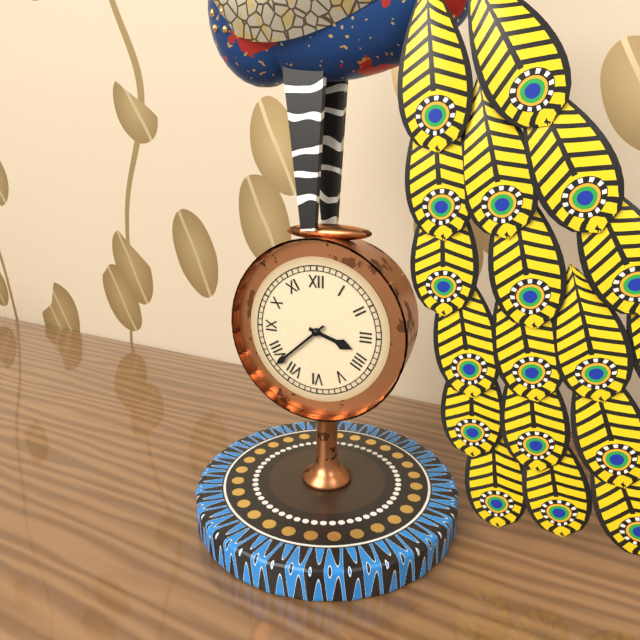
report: 3h38
